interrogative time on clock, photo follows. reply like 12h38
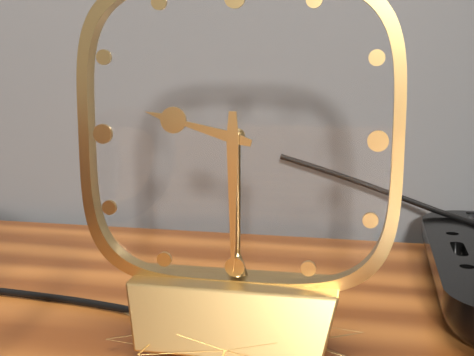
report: 9h30
